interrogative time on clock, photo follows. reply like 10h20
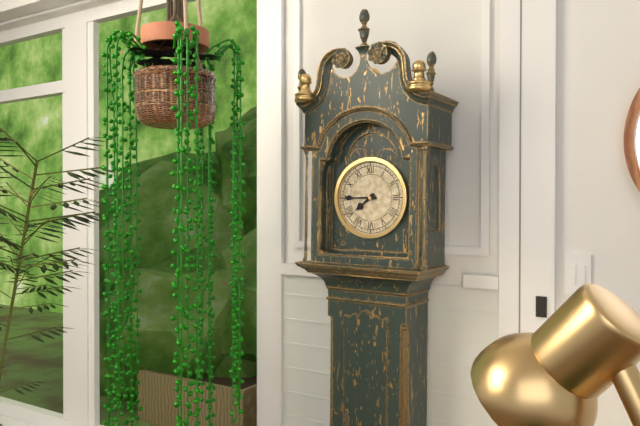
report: 7h45
